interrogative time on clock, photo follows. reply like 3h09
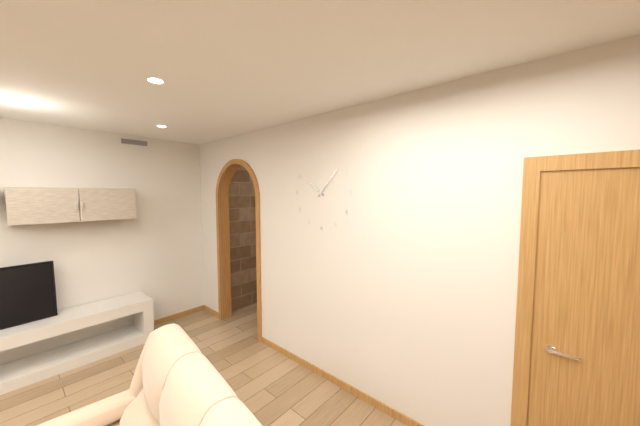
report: 10h07
